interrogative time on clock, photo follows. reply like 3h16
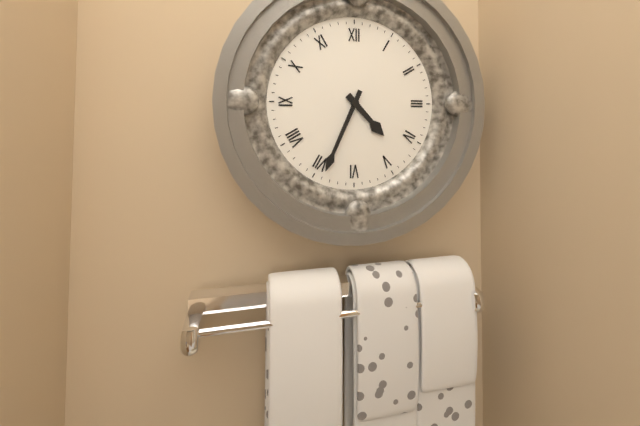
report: 4h34
